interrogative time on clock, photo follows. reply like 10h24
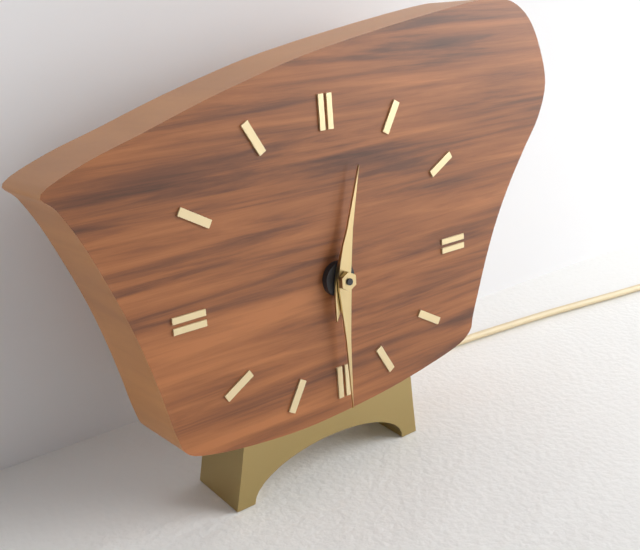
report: 12h30
